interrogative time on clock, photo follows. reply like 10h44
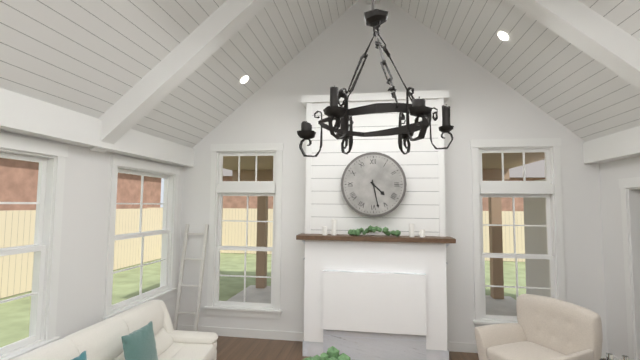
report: 4h28
